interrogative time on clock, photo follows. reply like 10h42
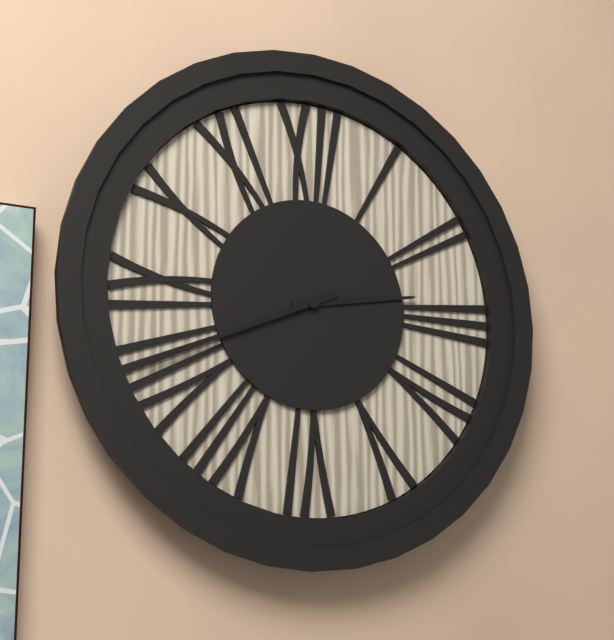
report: 2h41
